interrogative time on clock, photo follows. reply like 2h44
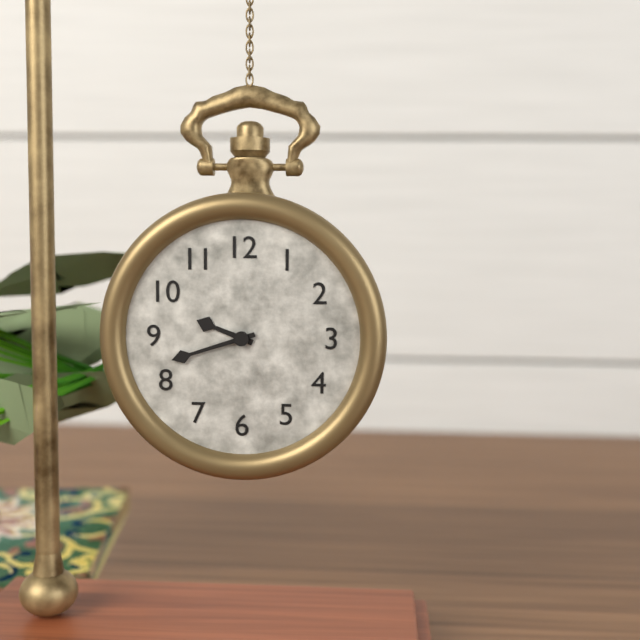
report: 9h42
